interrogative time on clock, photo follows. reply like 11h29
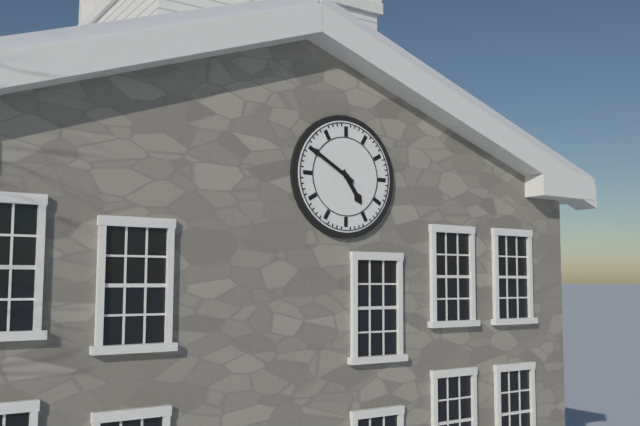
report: 4h50
